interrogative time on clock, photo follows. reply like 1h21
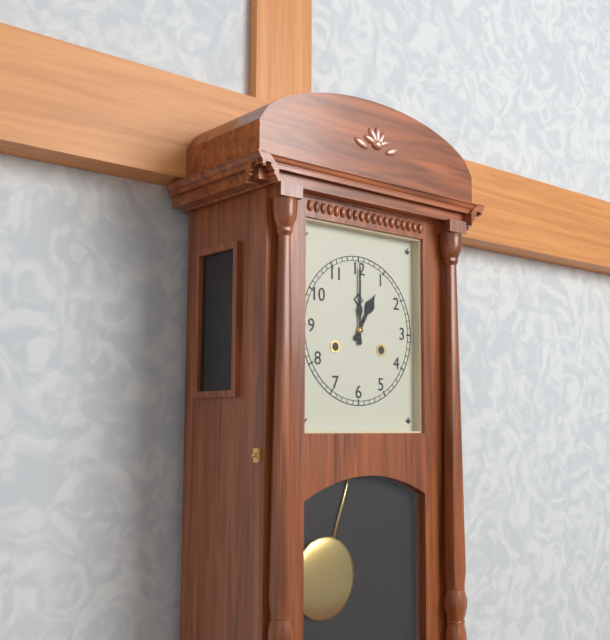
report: 1h00
